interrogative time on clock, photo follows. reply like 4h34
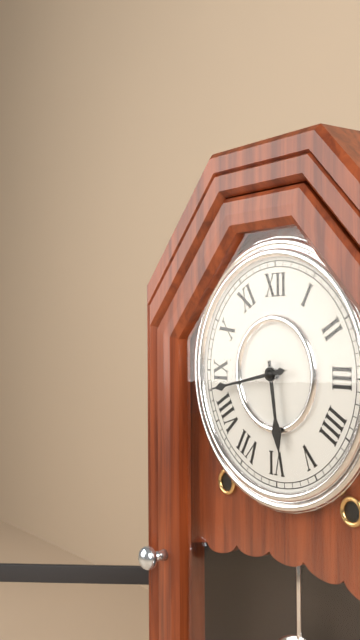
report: 5h43
